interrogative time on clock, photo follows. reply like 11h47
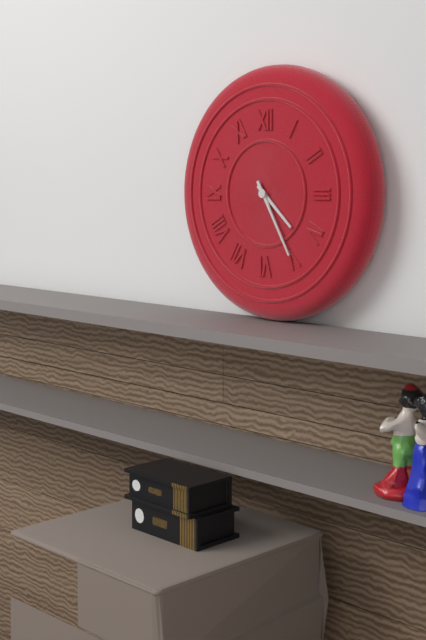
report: 4h25
